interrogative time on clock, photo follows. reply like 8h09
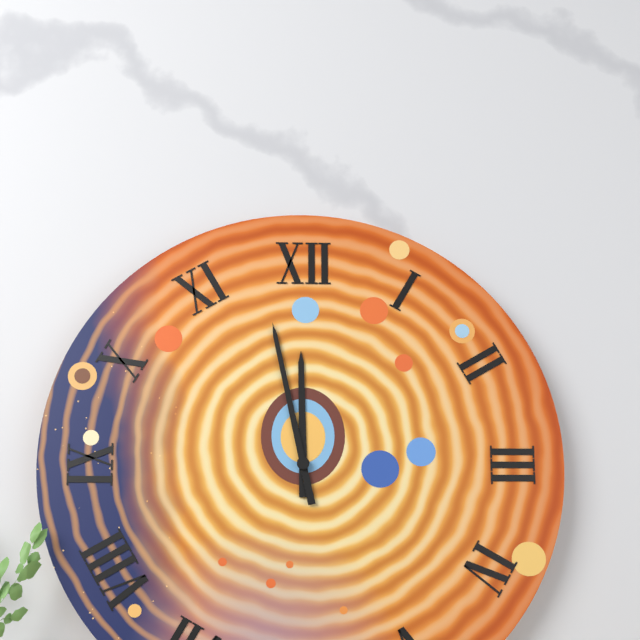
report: 11h58
